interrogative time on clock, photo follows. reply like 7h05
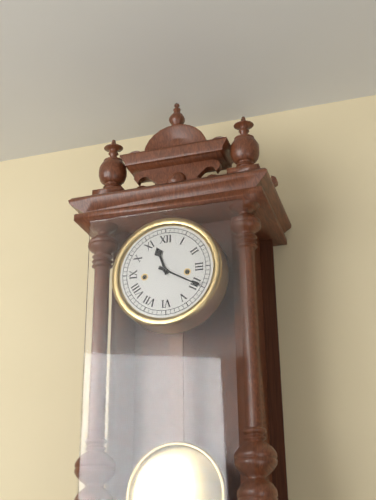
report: 11h20
